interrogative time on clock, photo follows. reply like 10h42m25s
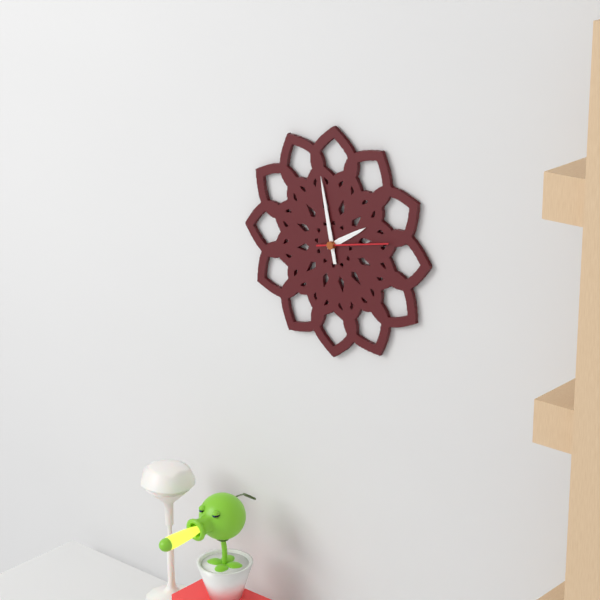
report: 1h58m13s
